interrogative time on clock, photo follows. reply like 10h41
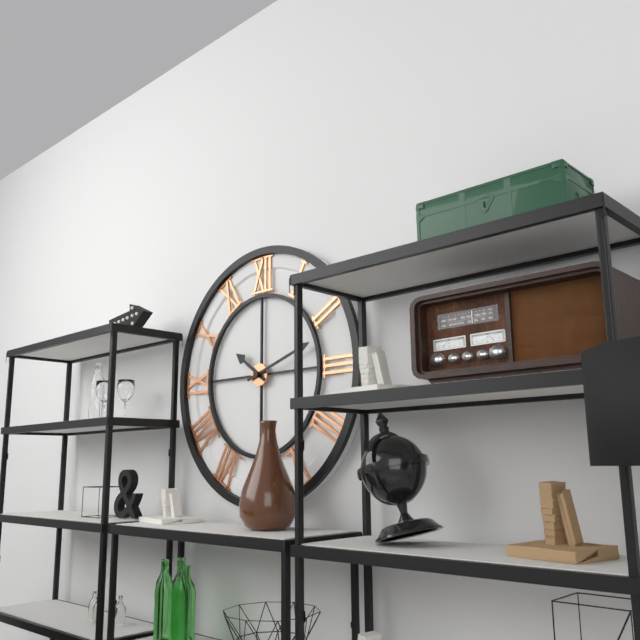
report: 10h12
